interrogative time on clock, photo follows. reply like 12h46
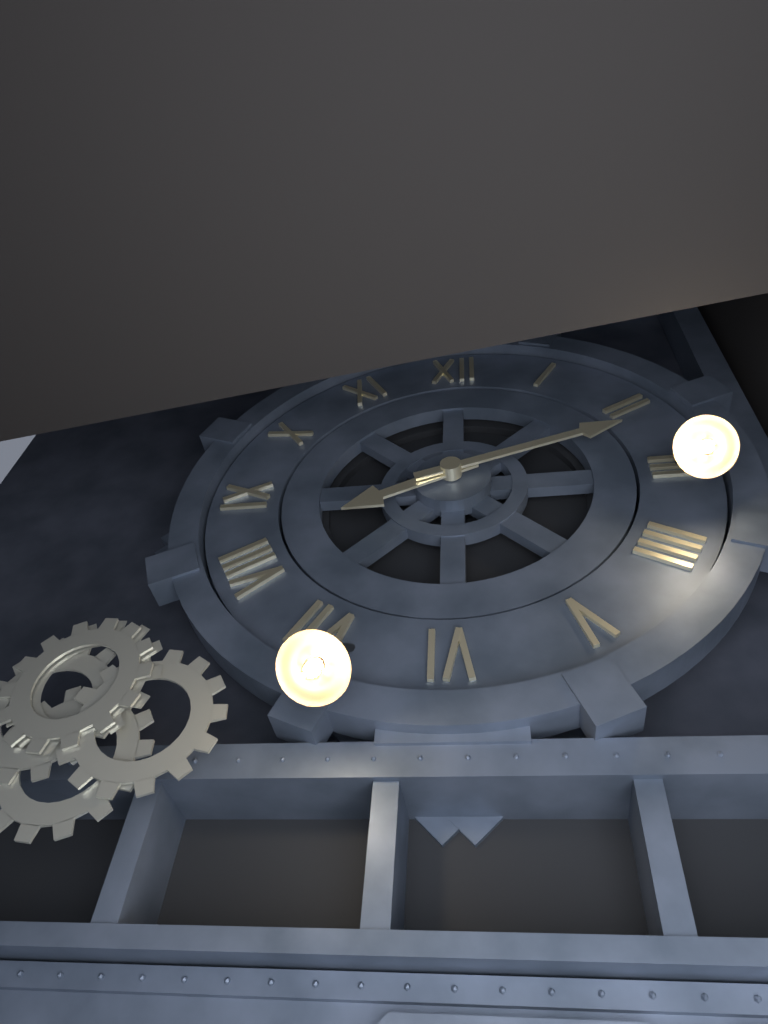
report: 8h12
